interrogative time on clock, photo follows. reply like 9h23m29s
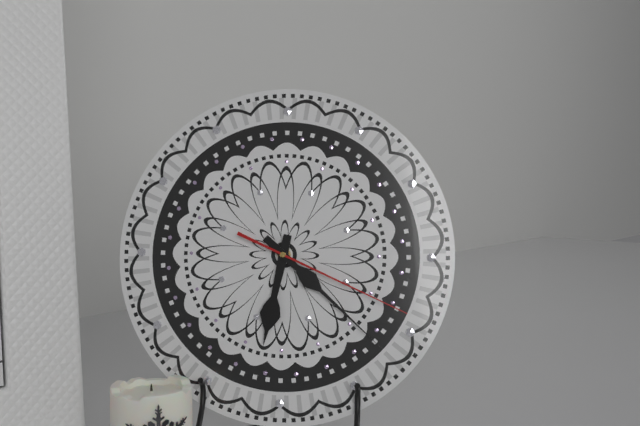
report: 6h22m19s
